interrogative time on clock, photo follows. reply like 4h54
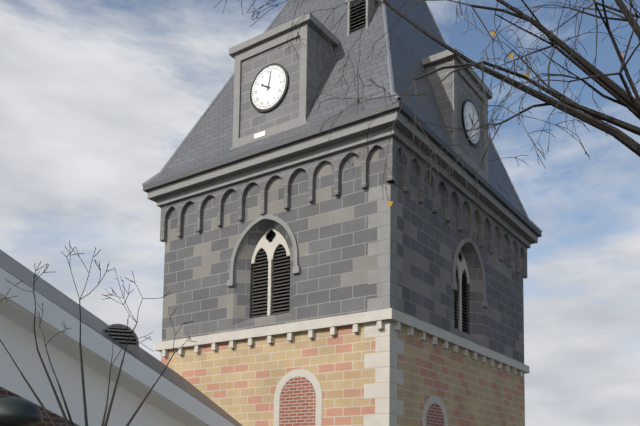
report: 10h02
